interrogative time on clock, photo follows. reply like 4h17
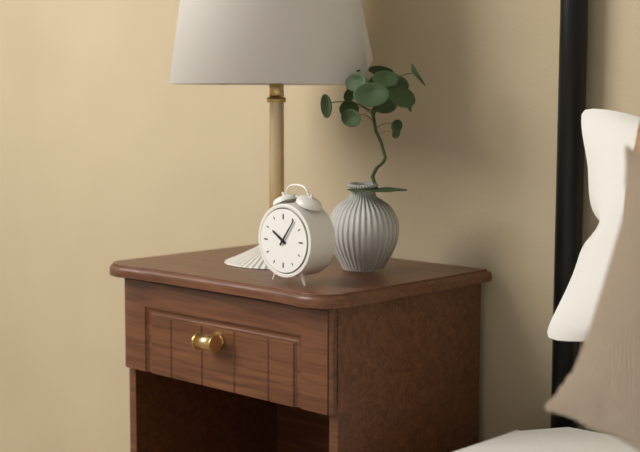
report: 10h06
